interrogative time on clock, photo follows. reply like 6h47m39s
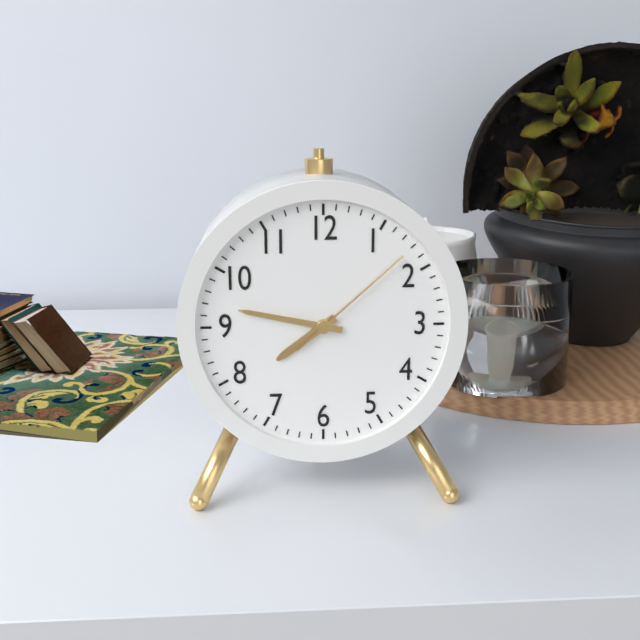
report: 7h47m08s
